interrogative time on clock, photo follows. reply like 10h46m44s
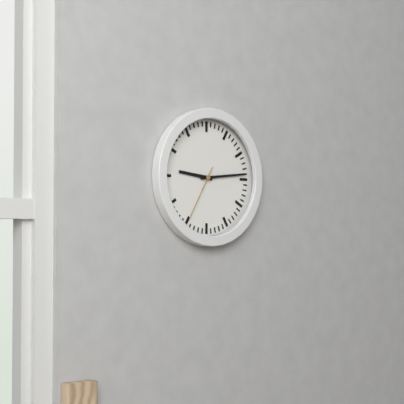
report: 9h14m35s
